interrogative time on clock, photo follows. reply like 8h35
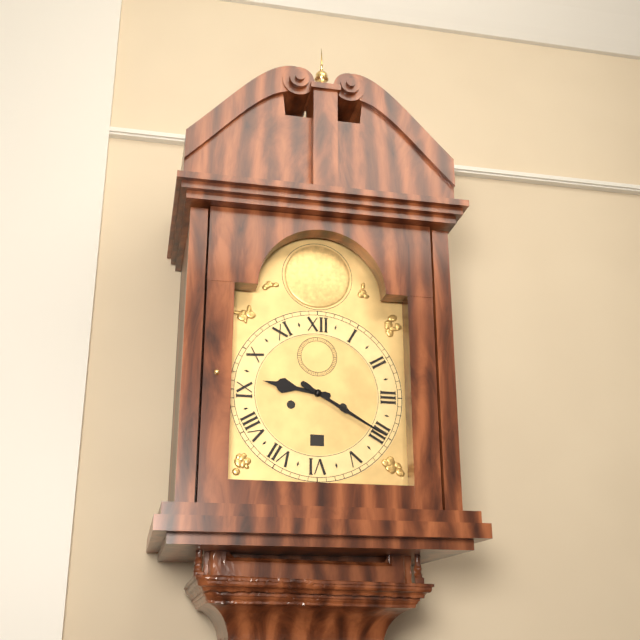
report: 9h20
